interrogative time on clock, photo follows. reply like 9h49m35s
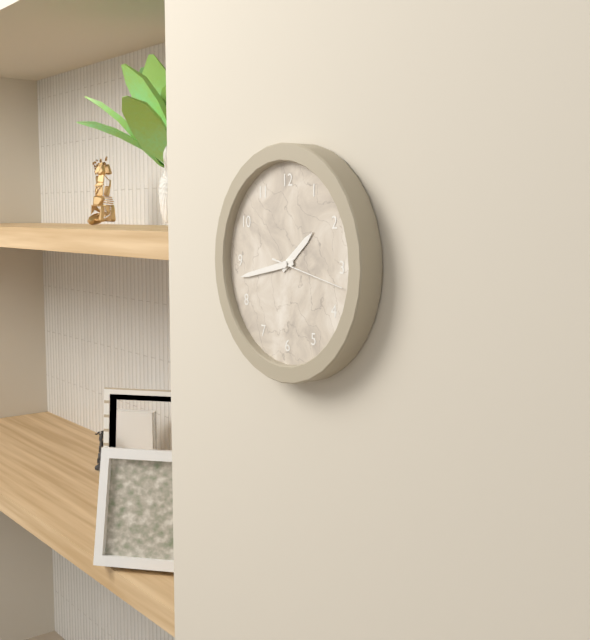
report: 1h43m17s
